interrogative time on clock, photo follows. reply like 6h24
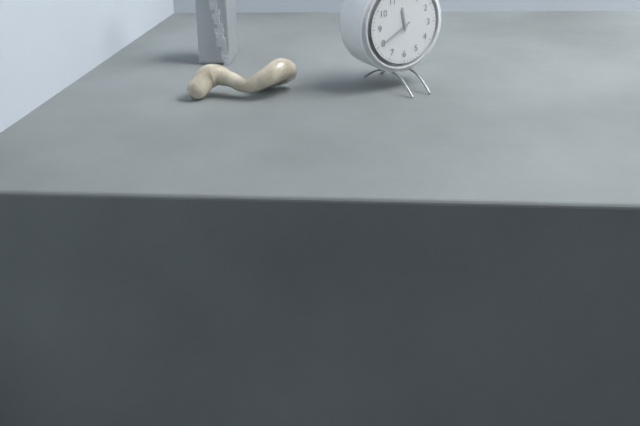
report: 11h40
